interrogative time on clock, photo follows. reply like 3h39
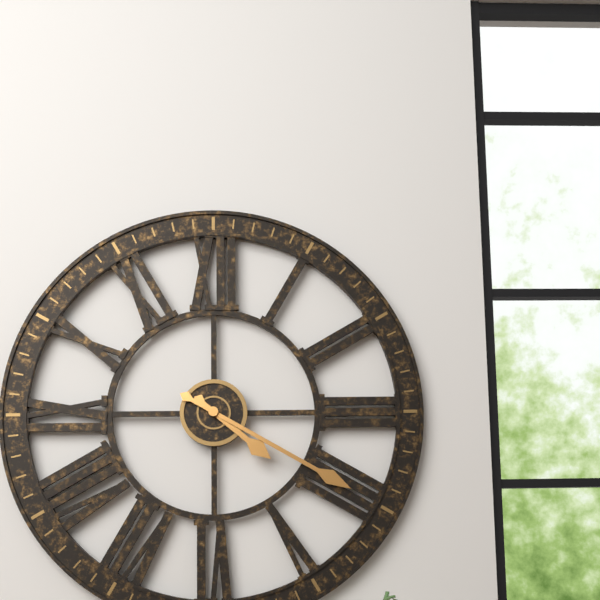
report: 4h20
